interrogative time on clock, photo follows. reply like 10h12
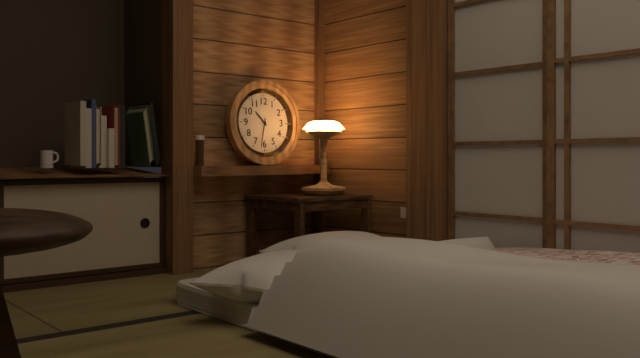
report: 10h32
